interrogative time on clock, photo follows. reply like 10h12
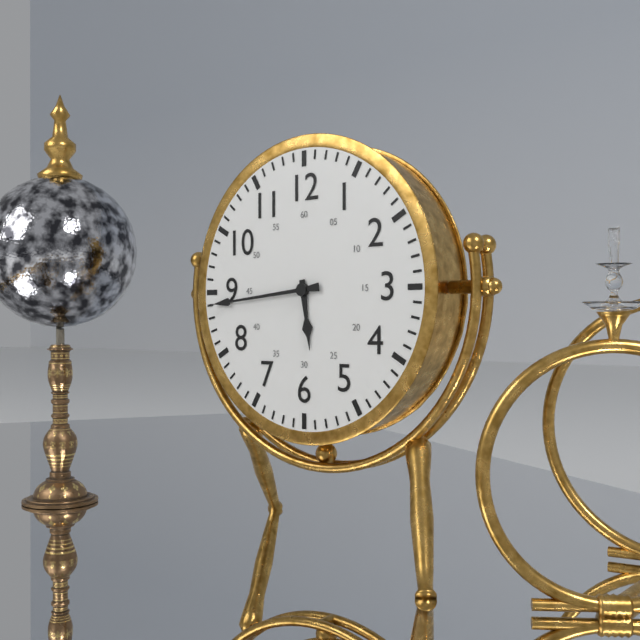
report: 5h44
